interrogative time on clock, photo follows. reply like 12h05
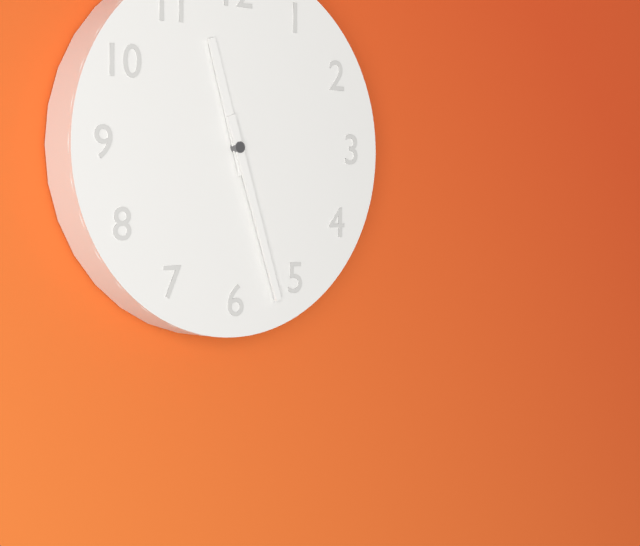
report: 11h27
